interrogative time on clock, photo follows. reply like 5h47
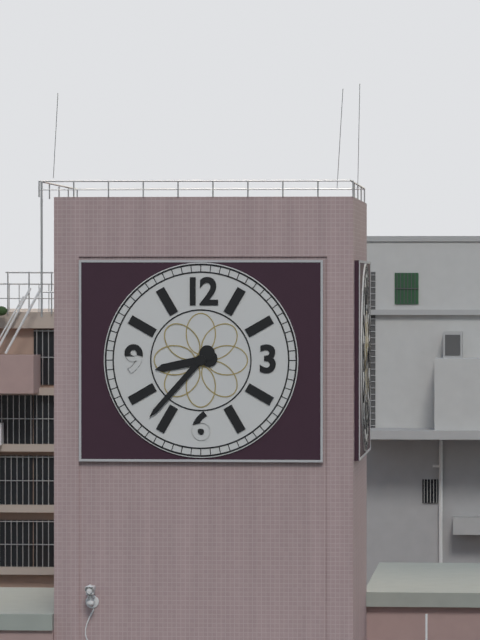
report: 8h37
